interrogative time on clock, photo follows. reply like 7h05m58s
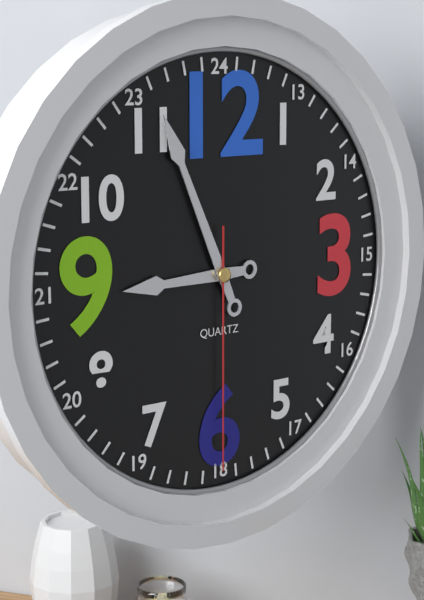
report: 8h56m30s
